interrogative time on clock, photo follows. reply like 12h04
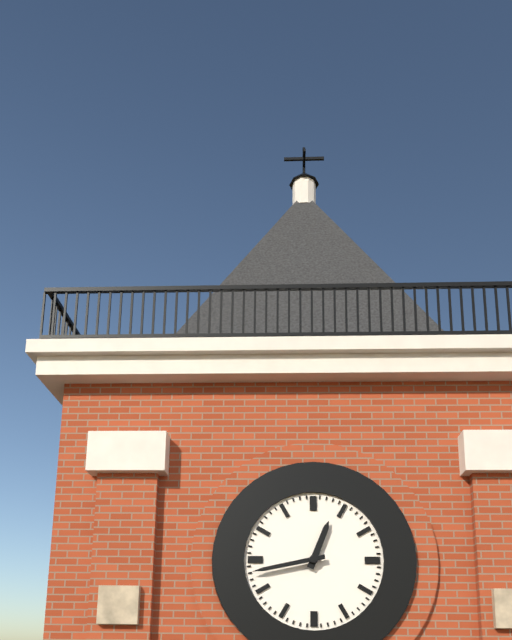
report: 12h43
